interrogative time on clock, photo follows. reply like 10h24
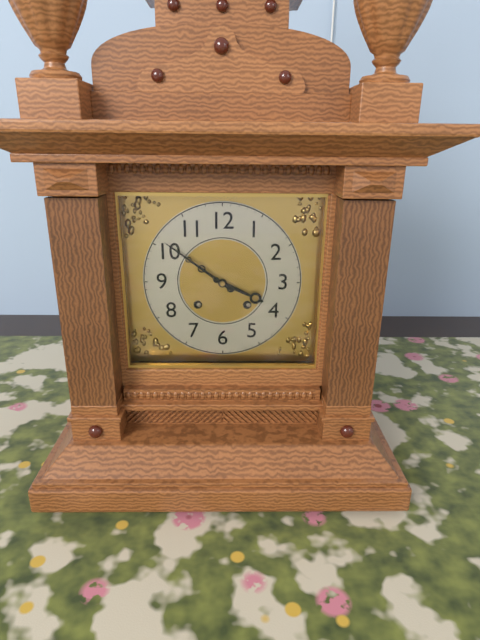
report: 3h51
